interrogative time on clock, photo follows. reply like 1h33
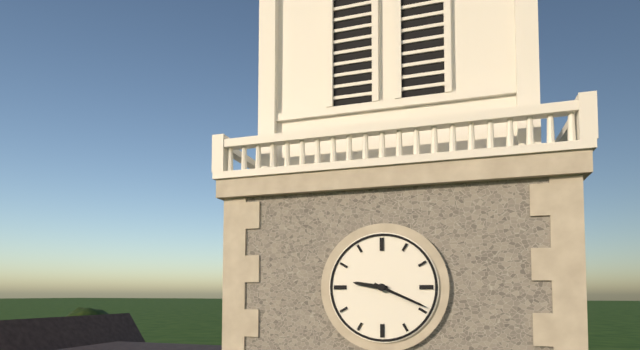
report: 9h19
